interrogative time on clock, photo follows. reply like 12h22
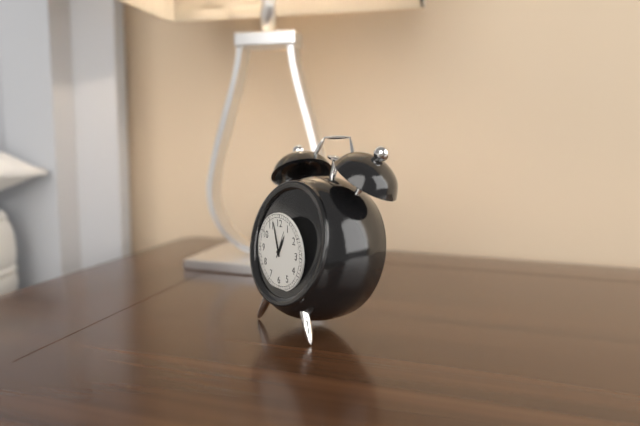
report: 12h57
